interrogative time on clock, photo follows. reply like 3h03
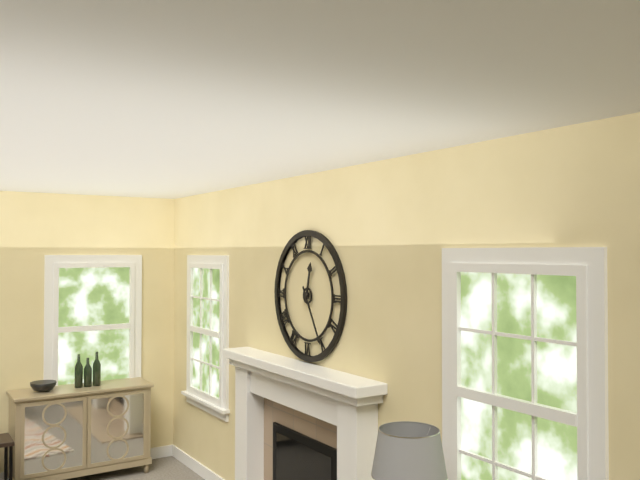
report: 12h25
